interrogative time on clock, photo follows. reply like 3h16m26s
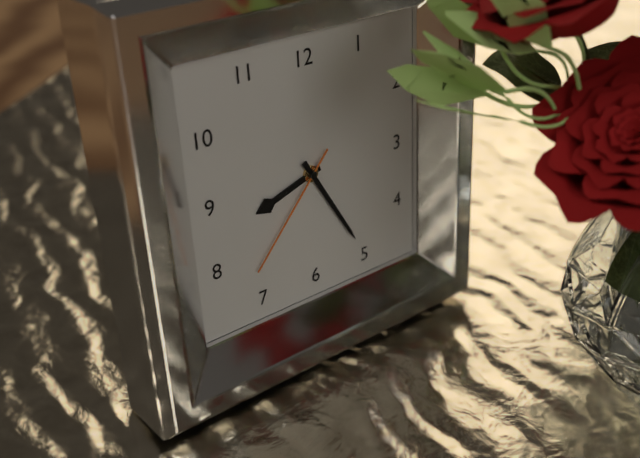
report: 8h25m37s
